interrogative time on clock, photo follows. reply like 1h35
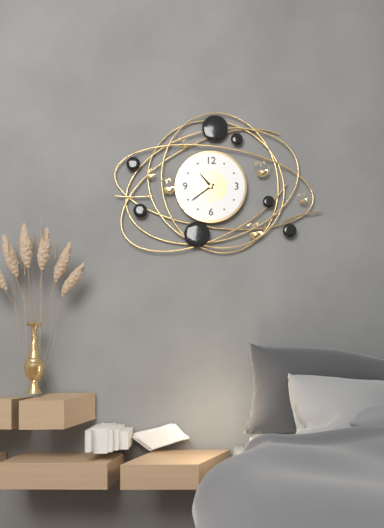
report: 10h39
